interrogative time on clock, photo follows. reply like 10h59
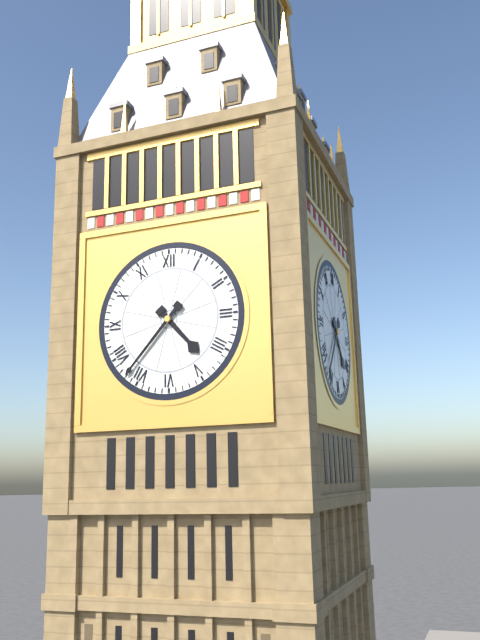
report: 4h37
